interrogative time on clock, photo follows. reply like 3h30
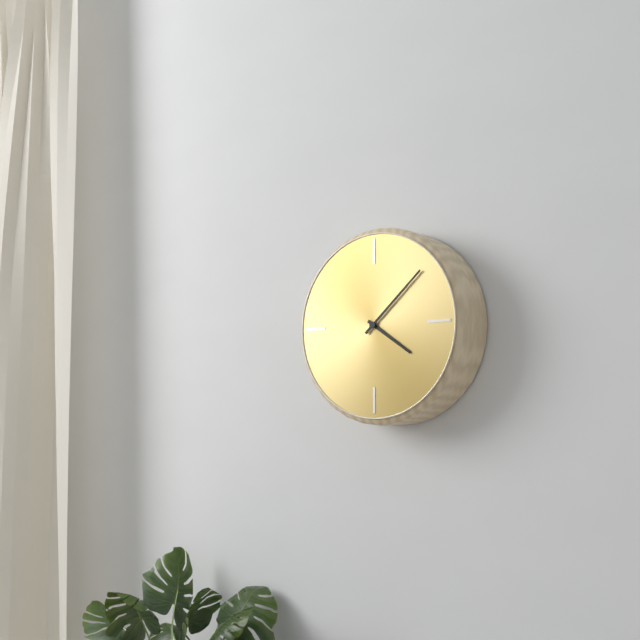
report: 4h08
